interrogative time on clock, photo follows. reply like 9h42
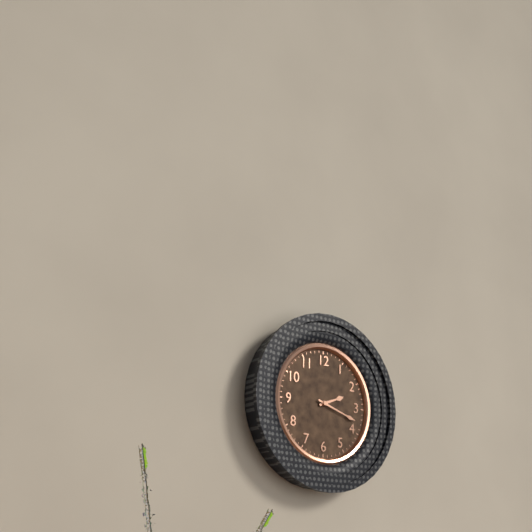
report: 2h18
